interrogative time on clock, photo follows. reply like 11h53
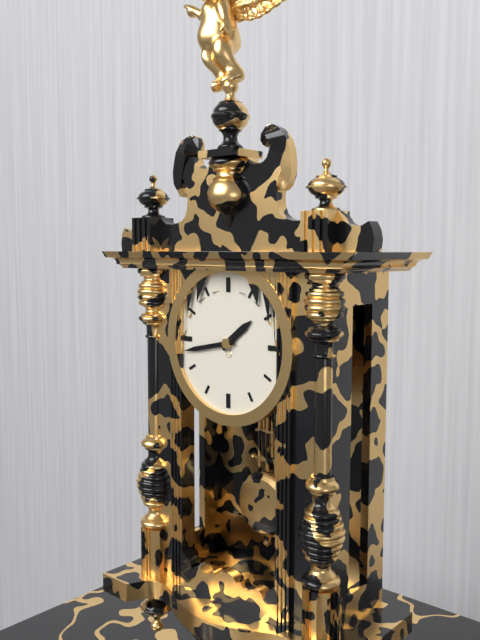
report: 1h43
